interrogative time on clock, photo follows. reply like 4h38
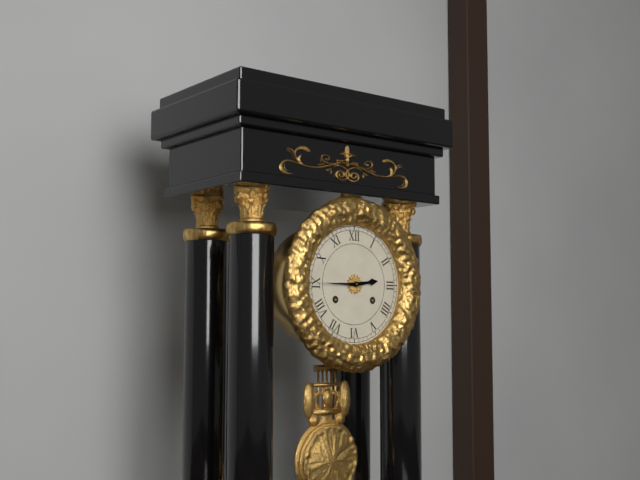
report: 2h45
